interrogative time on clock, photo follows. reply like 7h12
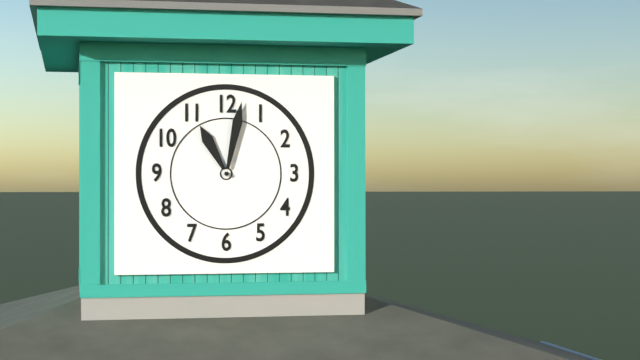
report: 11h02
